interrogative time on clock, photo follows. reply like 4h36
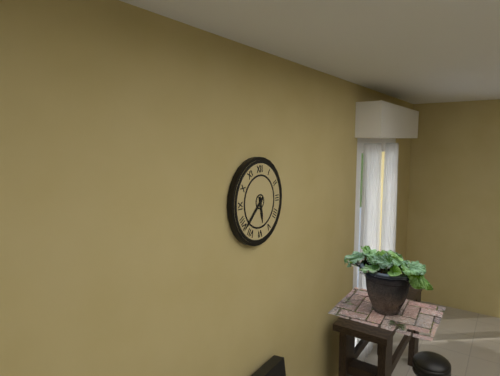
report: 5h38
